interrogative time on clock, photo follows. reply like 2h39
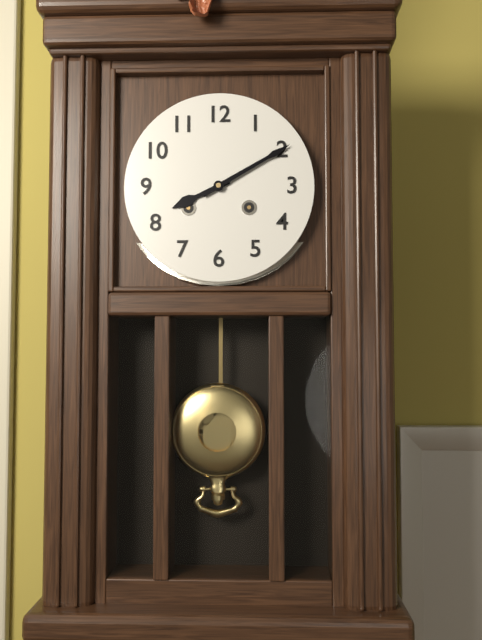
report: 8h10
